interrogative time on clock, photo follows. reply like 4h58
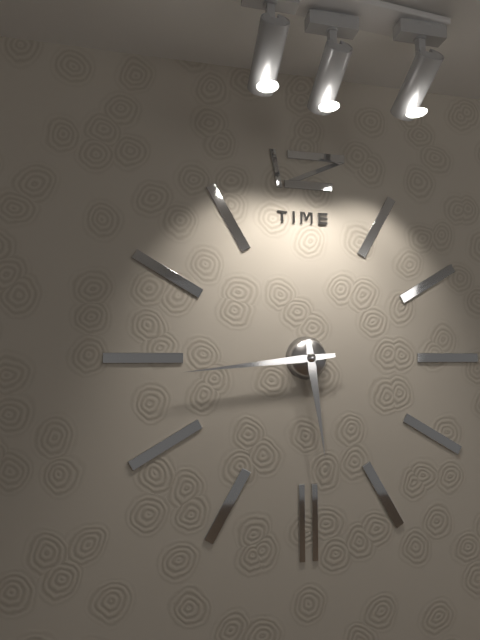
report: 5h44
